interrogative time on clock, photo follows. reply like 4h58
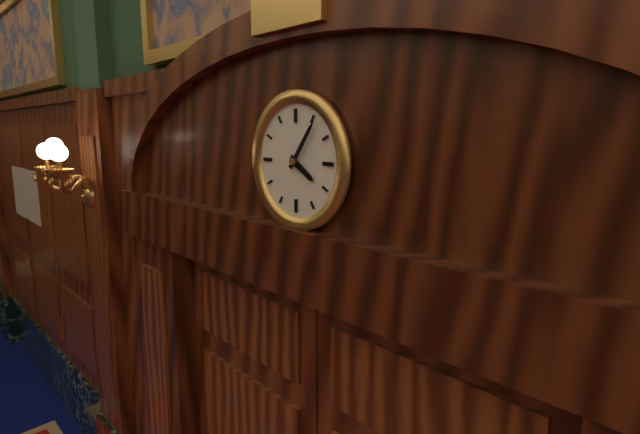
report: 4h06
